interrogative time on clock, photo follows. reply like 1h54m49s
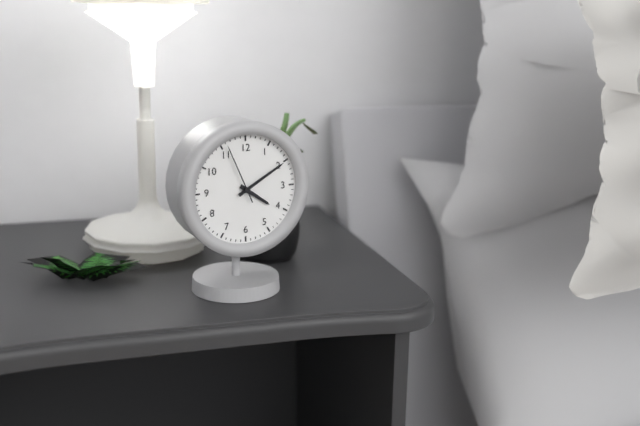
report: 4h10m56s
